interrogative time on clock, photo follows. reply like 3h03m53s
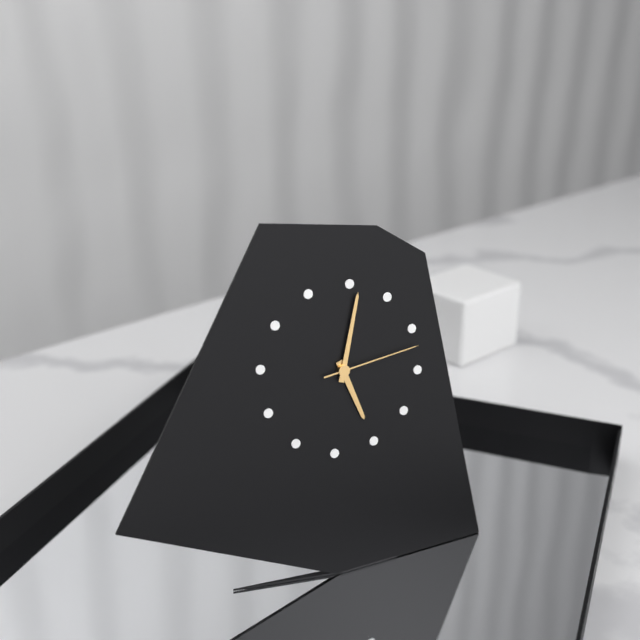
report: 5h01m12s
